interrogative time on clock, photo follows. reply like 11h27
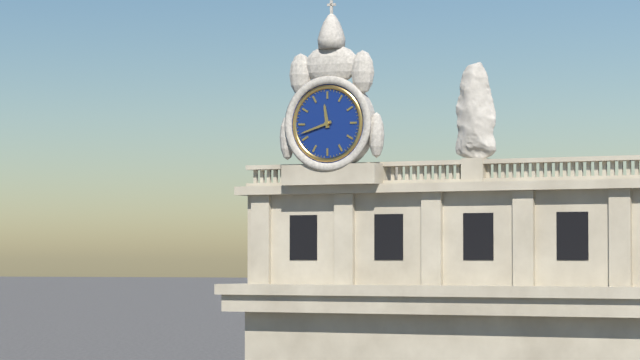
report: 11h42
